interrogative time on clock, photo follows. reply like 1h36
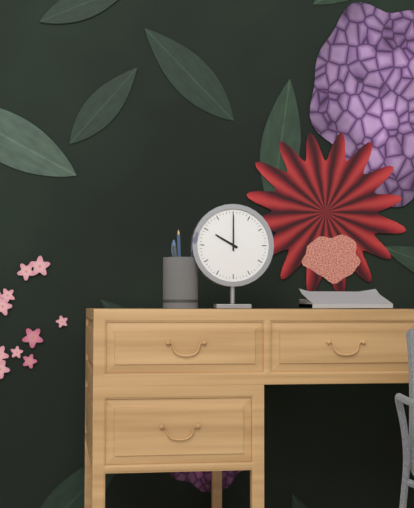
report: 10h00
